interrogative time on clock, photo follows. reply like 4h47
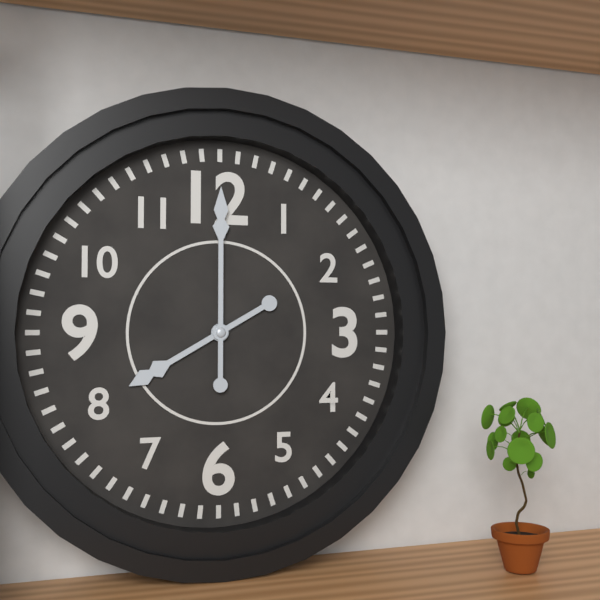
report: 8h00
